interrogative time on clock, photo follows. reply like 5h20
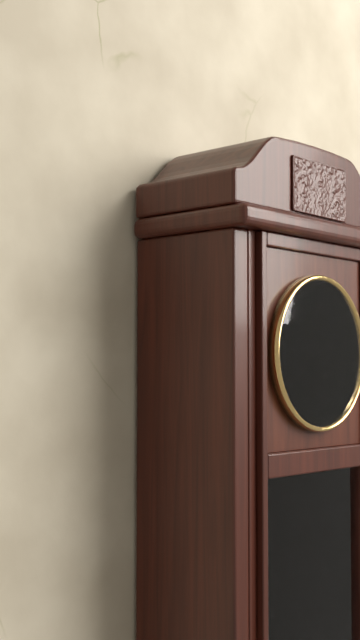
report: 1h57
